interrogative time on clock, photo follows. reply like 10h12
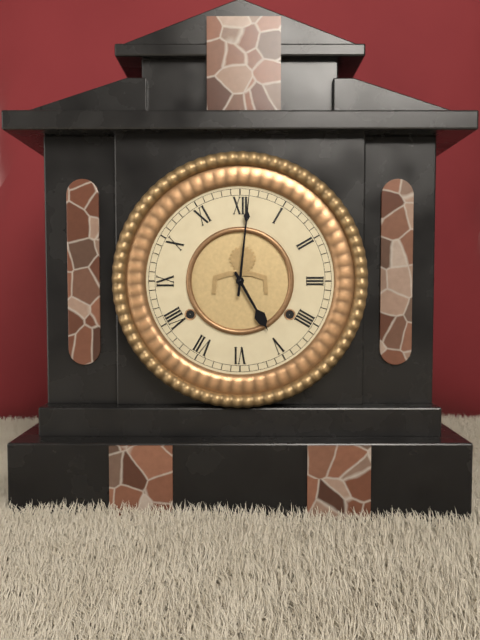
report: 5h01
